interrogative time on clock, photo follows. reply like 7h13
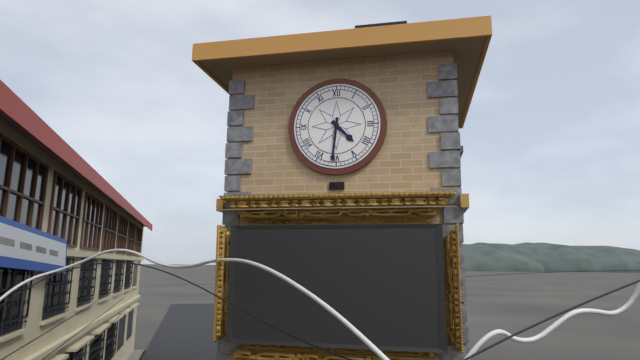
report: 4h31
